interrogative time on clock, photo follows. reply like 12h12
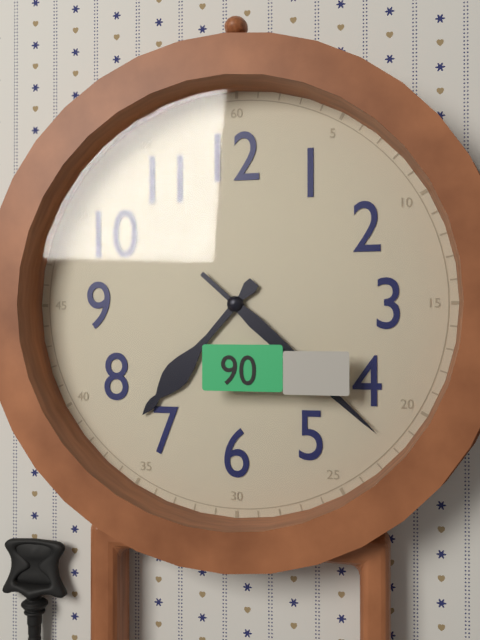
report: 7h22
